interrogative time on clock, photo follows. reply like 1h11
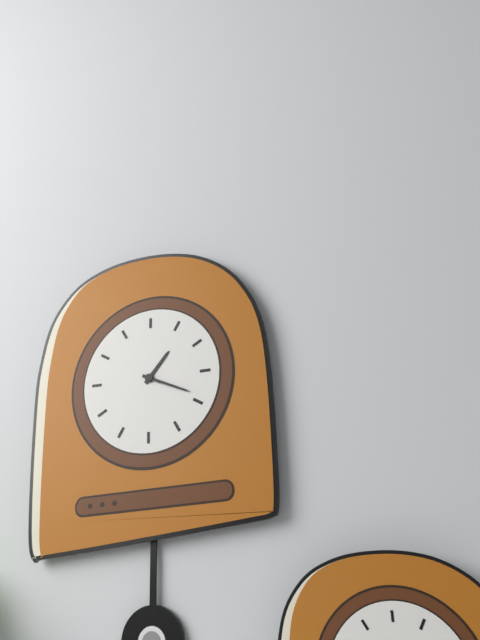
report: 1h19
